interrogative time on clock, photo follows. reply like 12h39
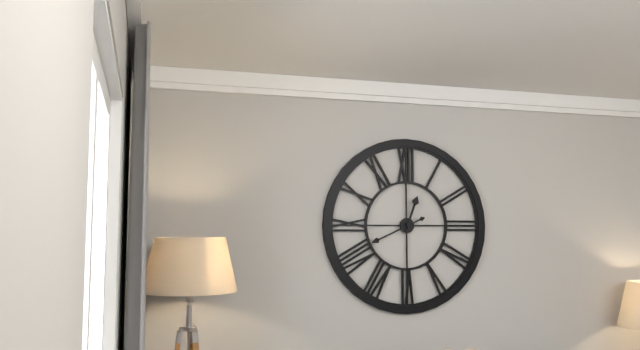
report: 12h41
